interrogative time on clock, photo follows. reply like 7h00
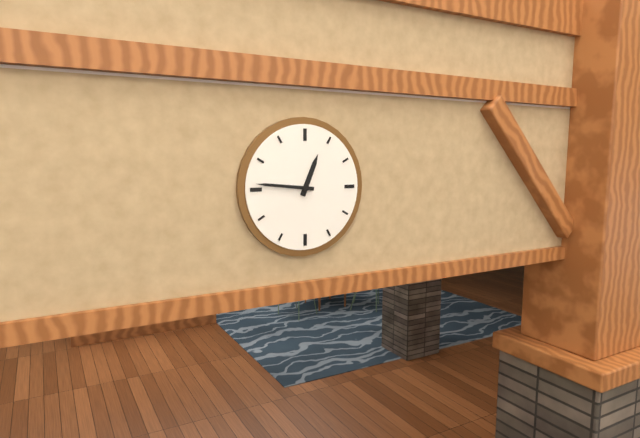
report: 12h46
